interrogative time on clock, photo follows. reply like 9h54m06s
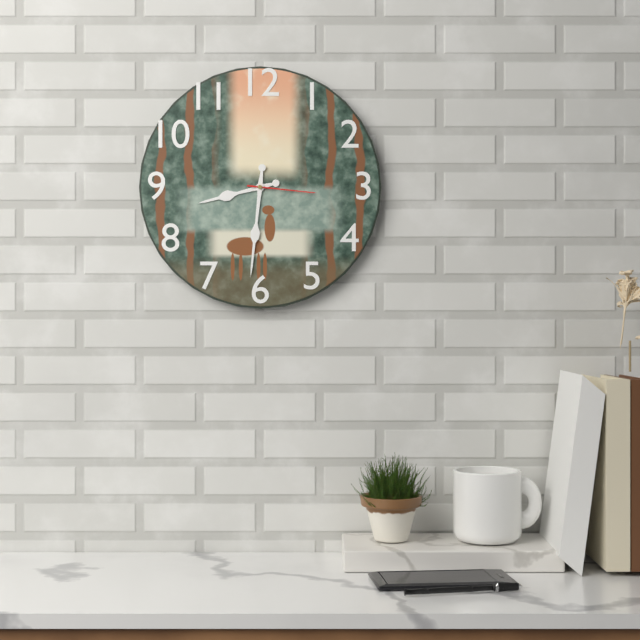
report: 8h31m16s
